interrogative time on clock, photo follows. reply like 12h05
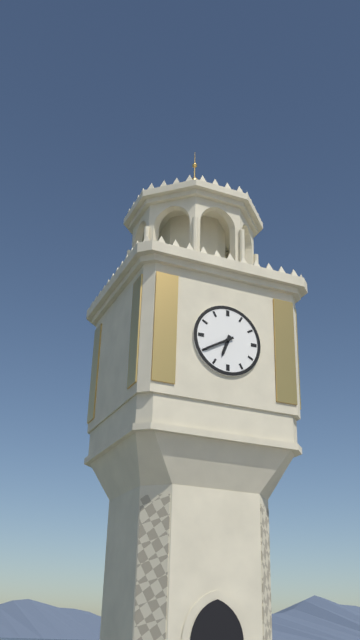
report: 6h40
